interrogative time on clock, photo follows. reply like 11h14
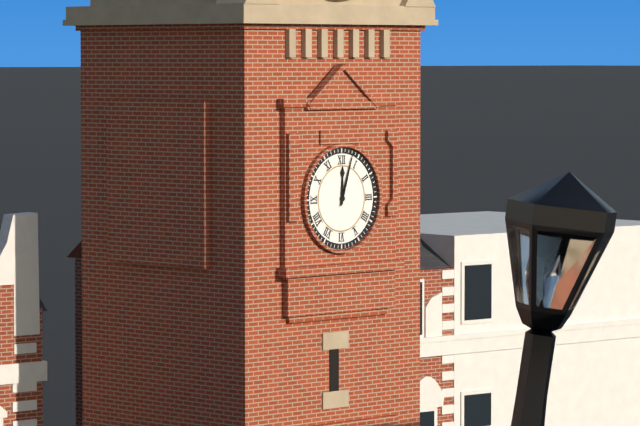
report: 12h03
